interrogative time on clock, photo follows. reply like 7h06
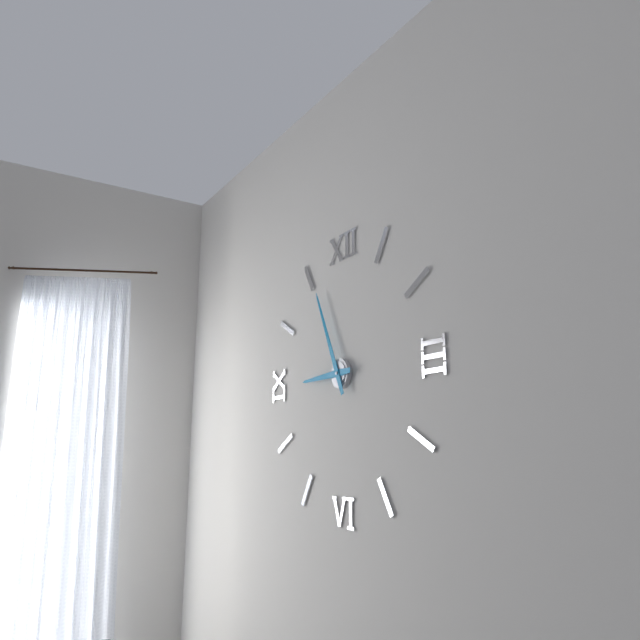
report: 8h56
